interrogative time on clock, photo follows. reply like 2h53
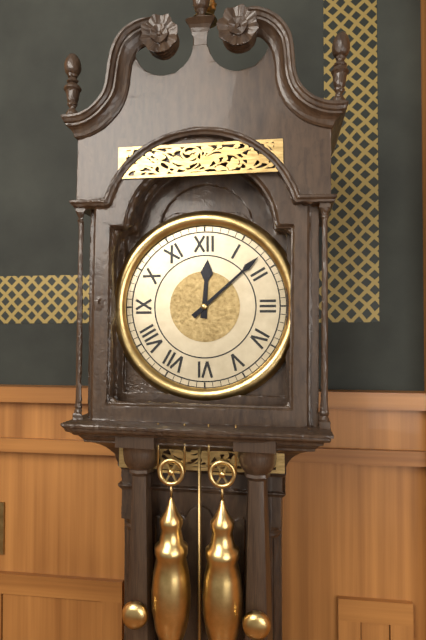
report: 12h08
